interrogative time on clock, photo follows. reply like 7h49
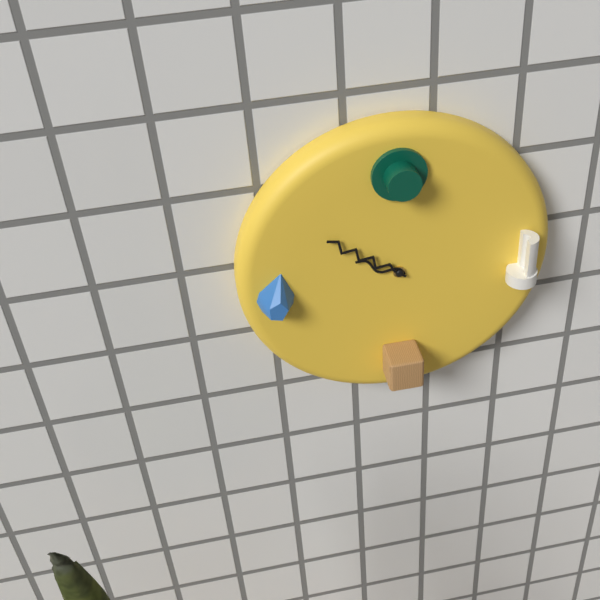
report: 9h51
